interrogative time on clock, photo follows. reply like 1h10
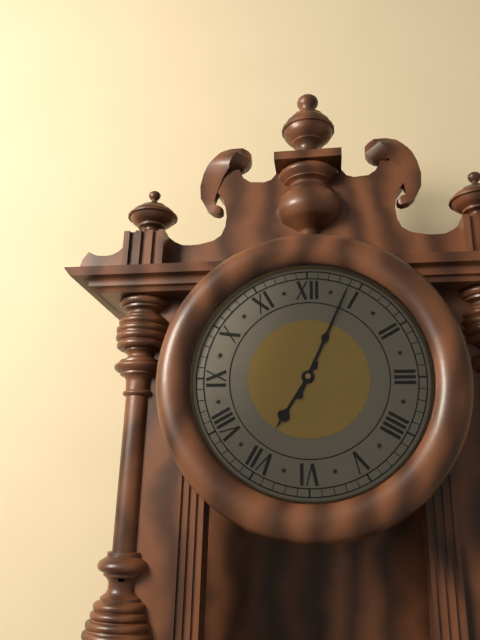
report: 7h04
